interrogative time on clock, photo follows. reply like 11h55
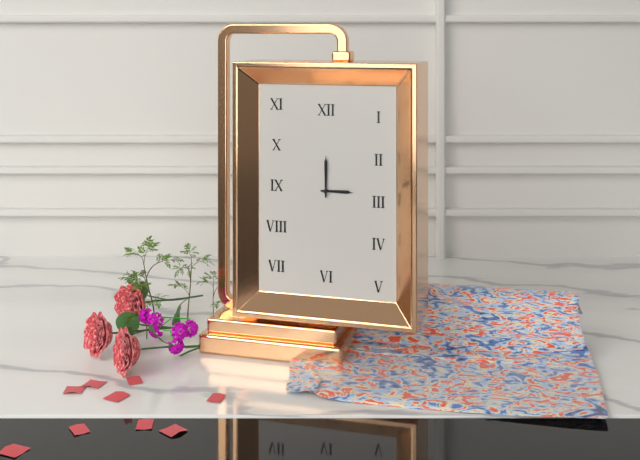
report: 3h00
